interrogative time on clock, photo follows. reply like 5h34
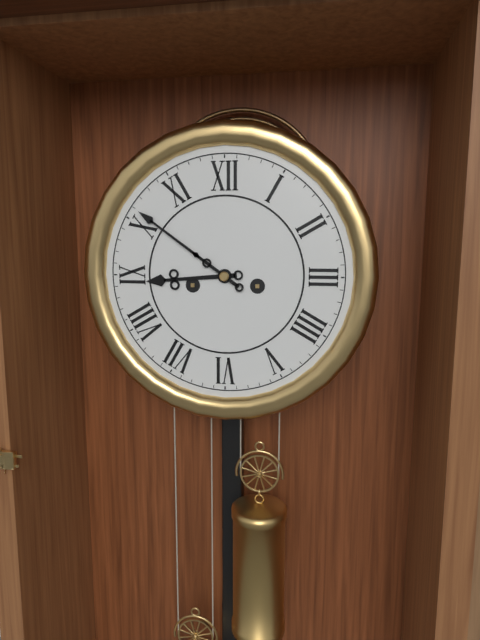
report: 8h51
